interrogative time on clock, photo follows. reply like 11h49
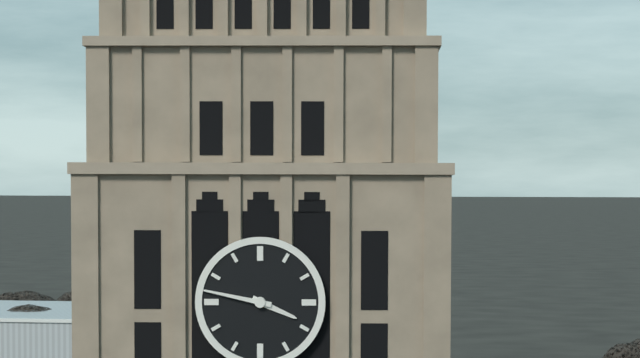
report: 3h47
